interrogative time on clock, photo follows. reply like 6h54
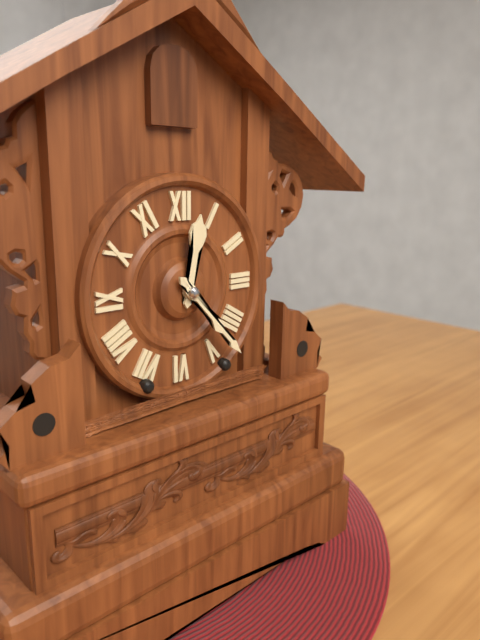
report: 12h23
